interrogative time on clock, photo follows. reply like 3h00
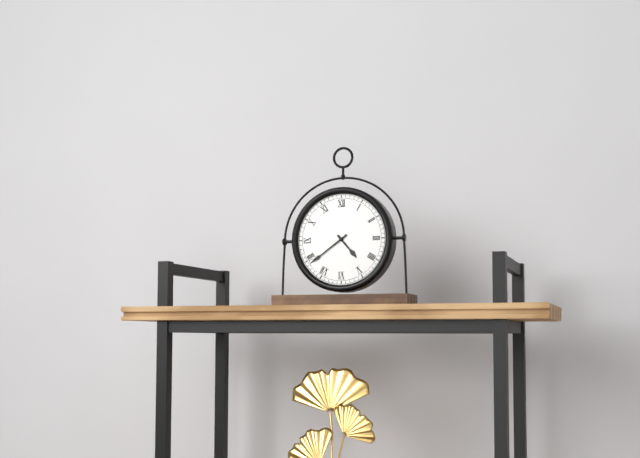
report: 4h39
